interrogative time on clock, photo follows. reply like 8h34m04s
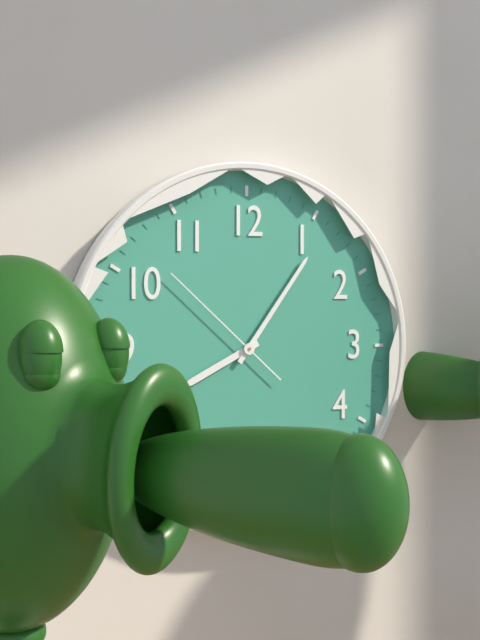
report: 8h06m52s
